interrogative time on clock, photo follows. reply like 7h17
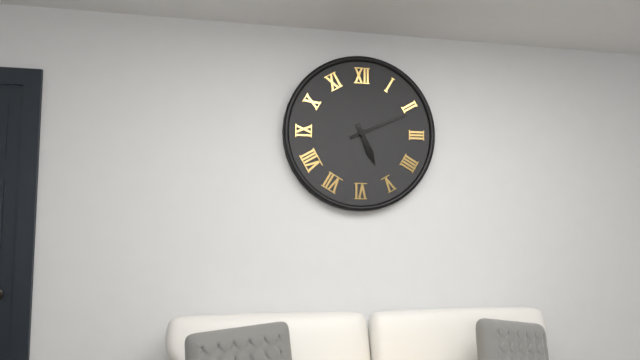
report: 5h11
